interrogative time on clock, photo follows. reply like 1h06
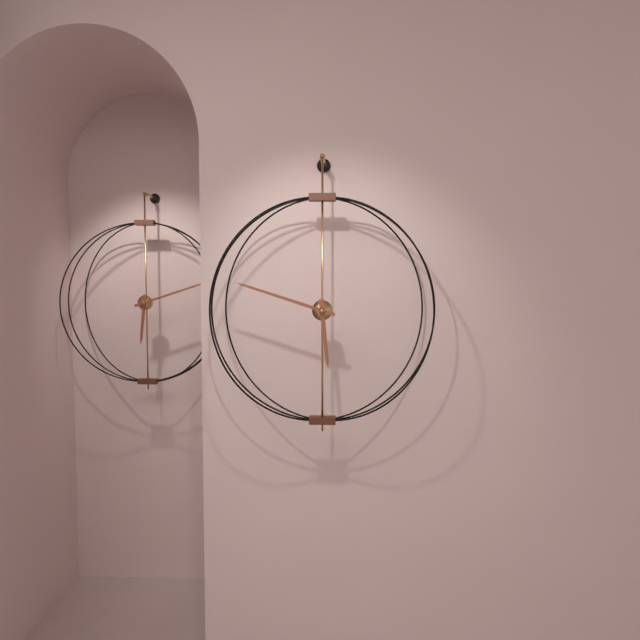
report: 5h48
